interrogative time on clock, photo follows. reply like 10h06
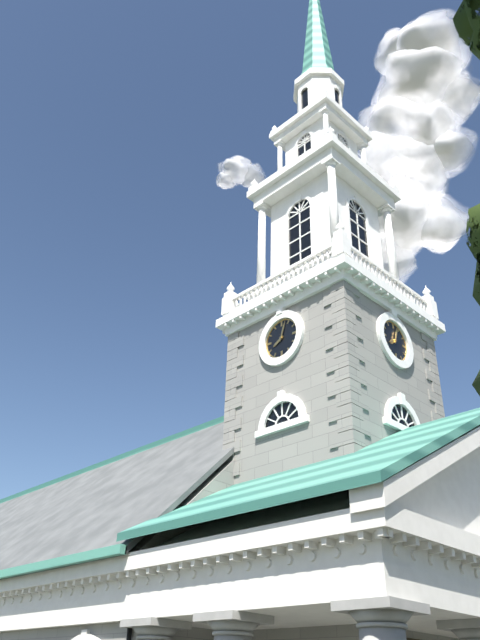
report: 8h03
